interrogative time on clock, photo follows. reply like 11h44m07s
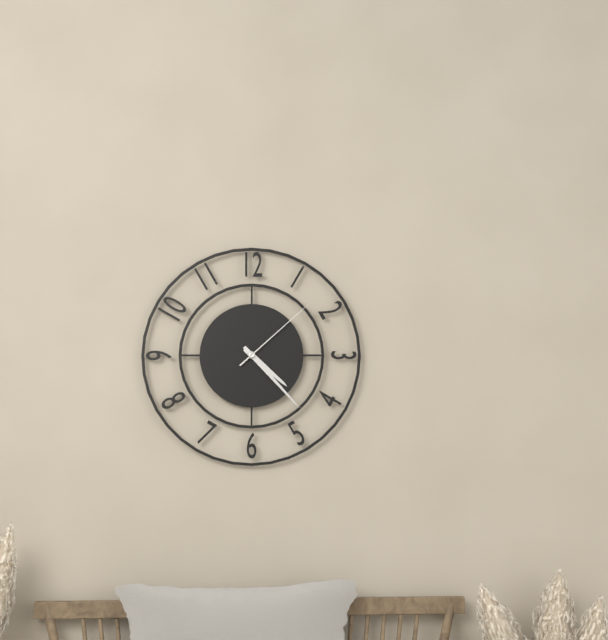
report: 4h23m08s
